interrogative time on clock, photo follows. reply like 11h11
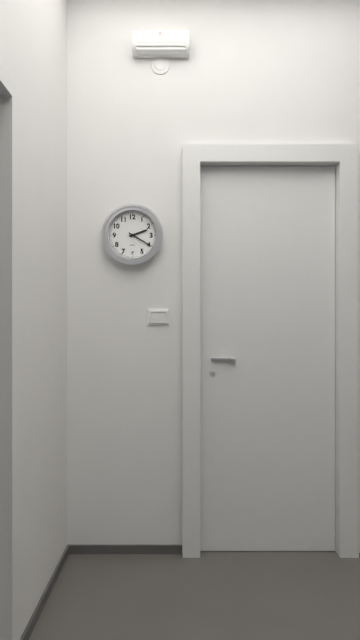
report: 2h20
